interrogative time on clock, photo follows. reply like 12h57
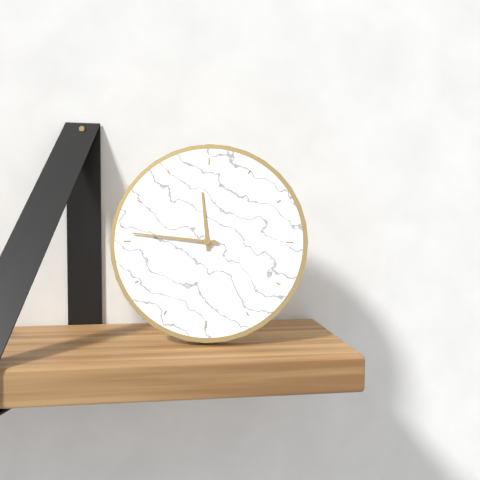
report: 11h46
